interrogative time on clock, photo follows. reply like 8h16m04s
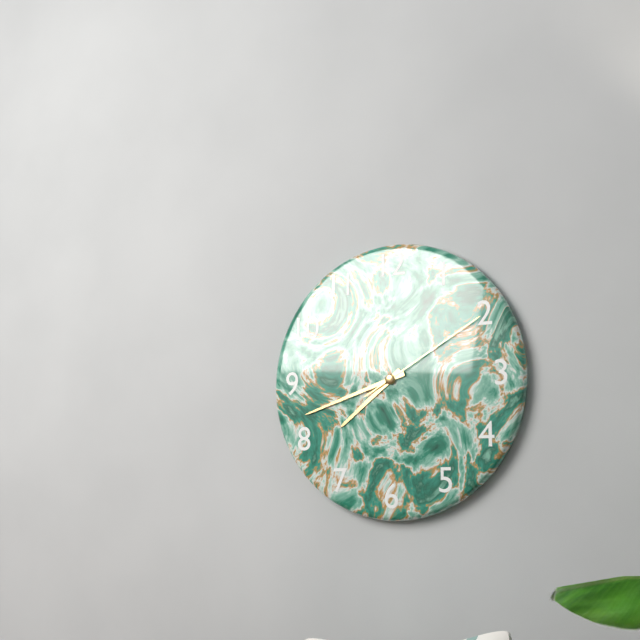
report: 7h42m10s
